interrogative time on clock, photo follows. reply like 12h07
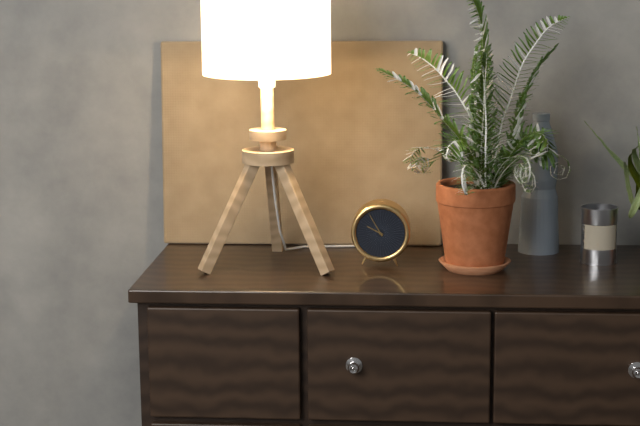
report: 9h55
